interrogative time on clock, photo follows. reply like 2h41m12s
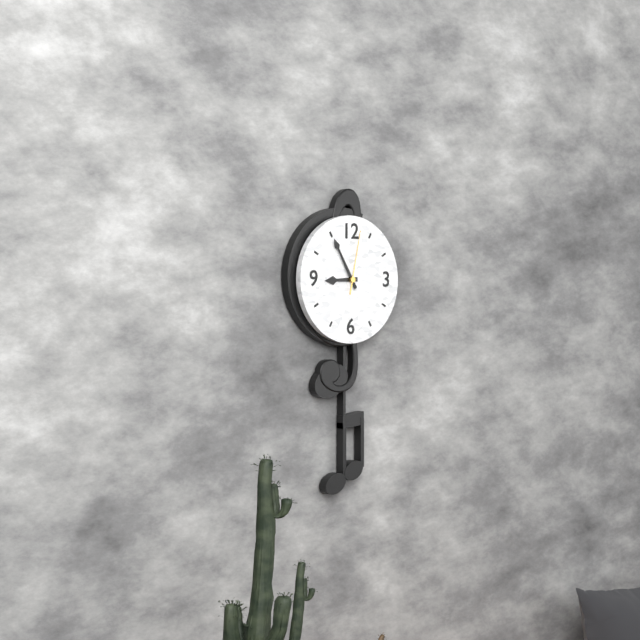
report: 8h55m02s
